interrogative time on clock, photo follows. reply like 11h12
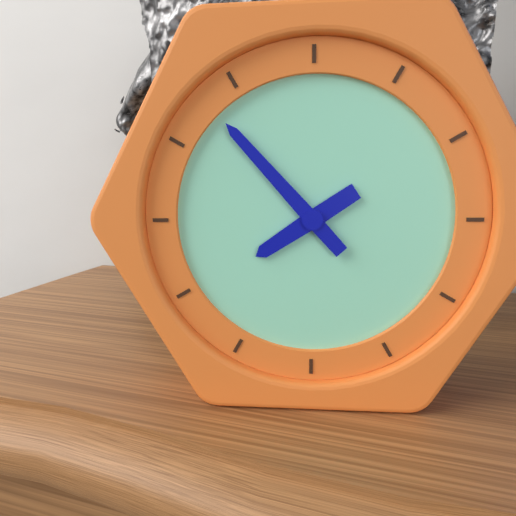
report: 7h53
